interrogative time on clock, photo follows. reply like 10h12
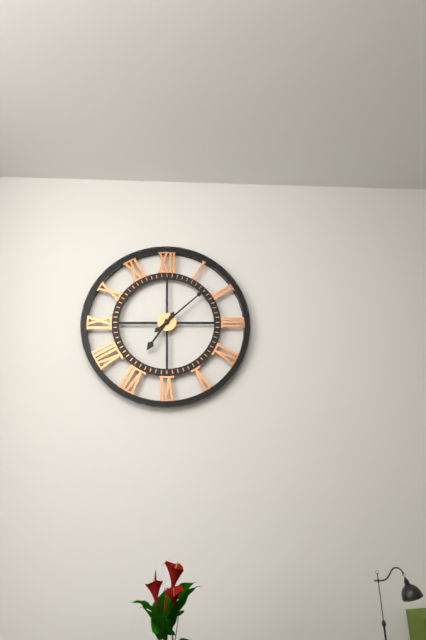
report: 7h08
